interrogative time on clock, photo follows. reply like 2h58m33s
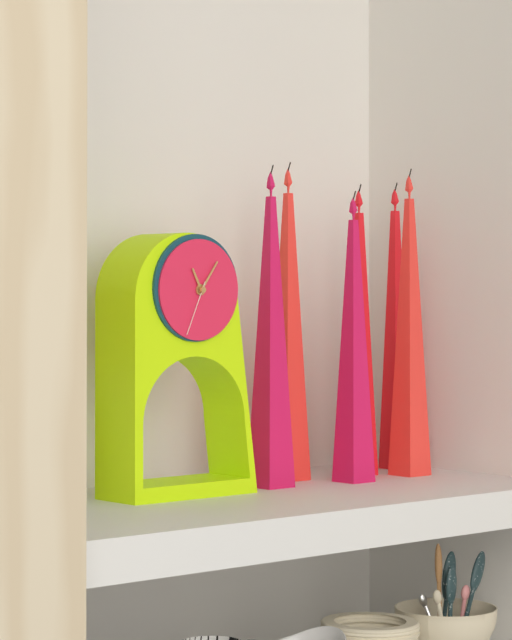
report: 11h06m34s
